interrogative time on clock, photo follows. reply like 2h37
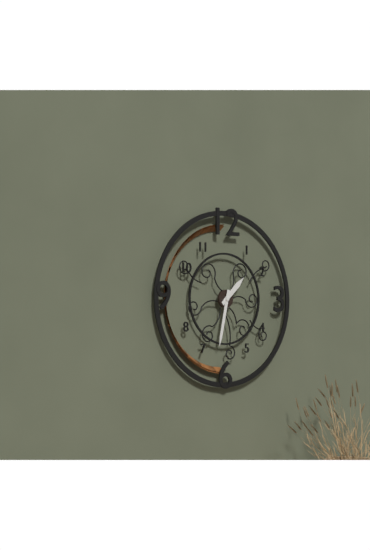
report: 1h32
